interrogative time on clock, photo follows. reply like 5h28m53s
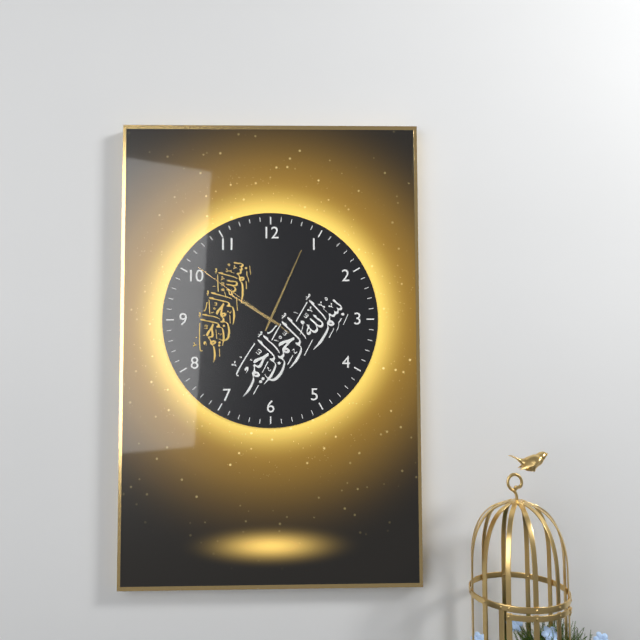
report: 10h04m51s
